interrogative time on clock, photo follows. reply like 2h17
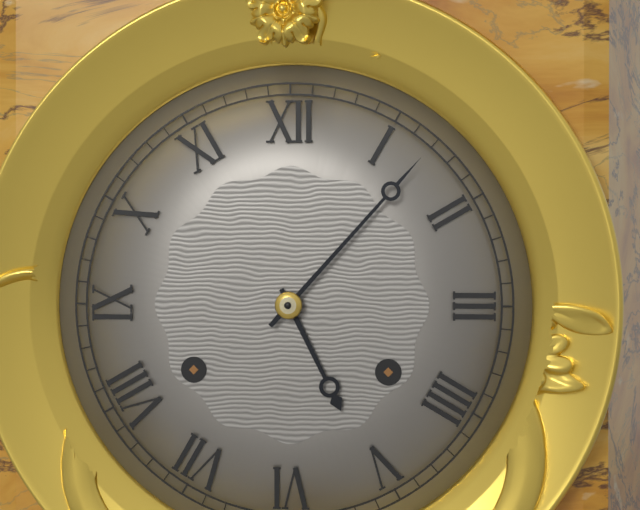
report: 5h07
